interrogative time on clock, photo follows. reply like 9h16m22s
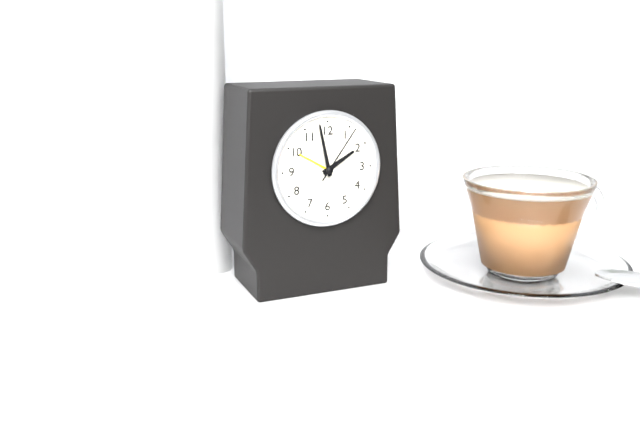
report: 1h58m06s
